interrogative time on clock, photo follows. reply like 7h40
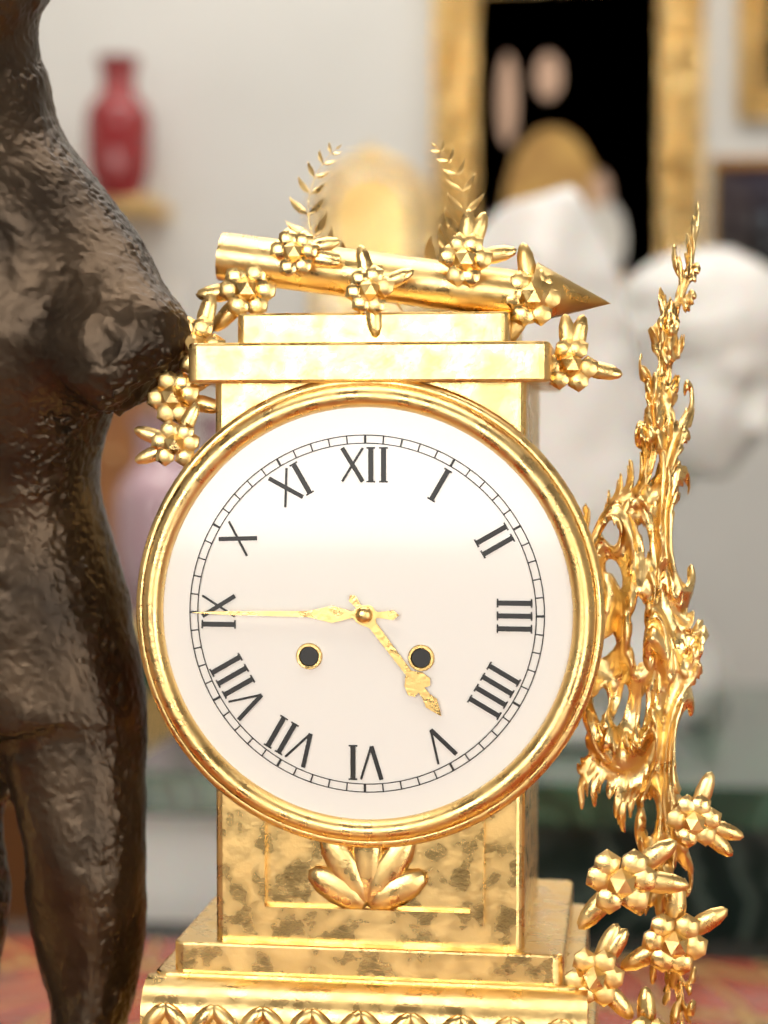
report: 4h45
